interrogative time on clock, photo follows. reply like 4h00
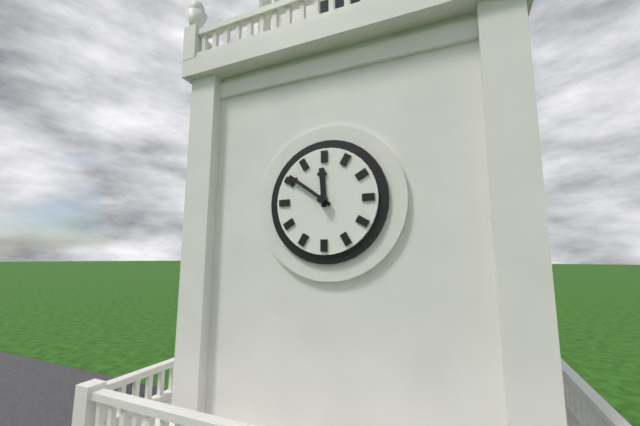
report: 11h51
